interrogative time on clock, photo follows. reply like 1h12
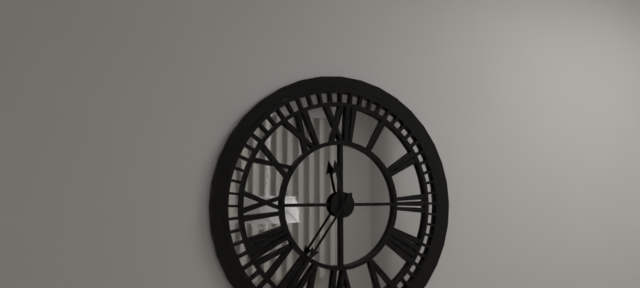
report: 11h36
